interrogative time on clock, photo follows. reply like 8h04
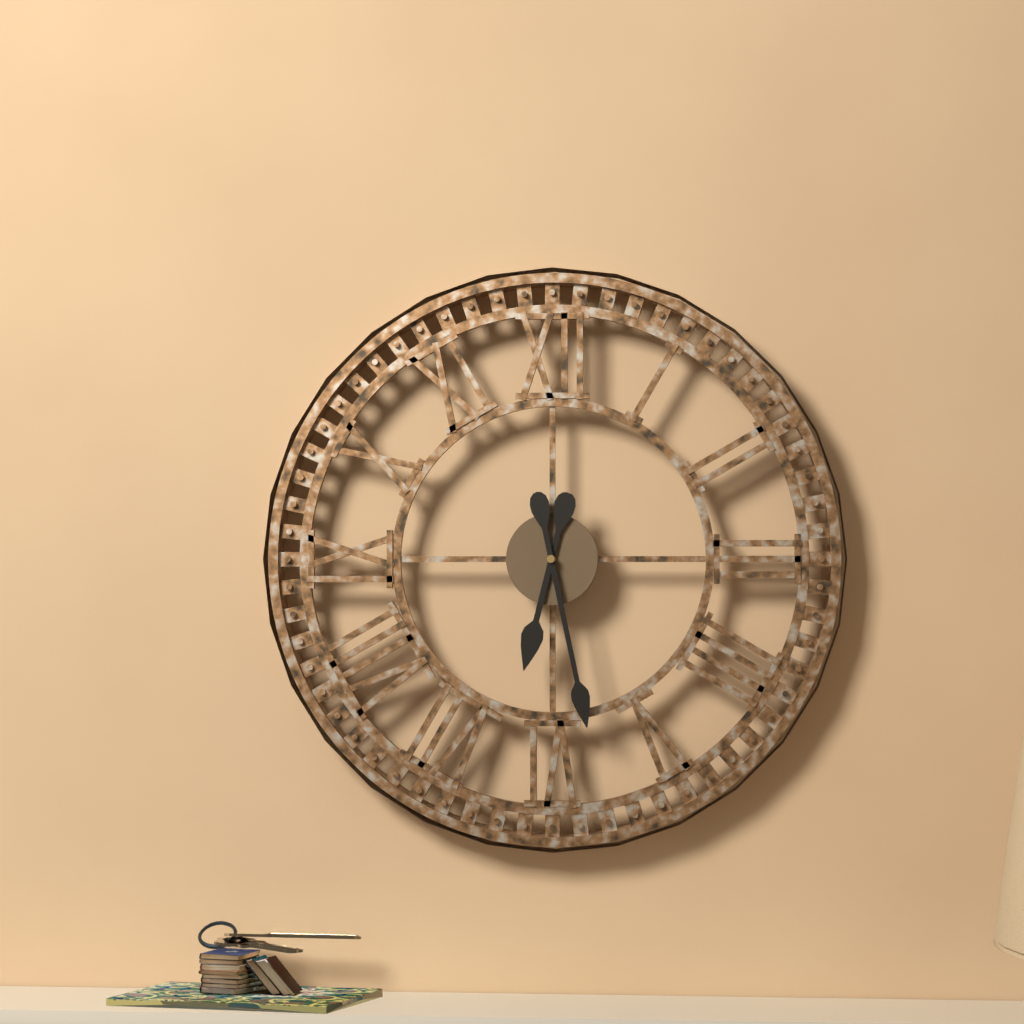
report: 6h28
